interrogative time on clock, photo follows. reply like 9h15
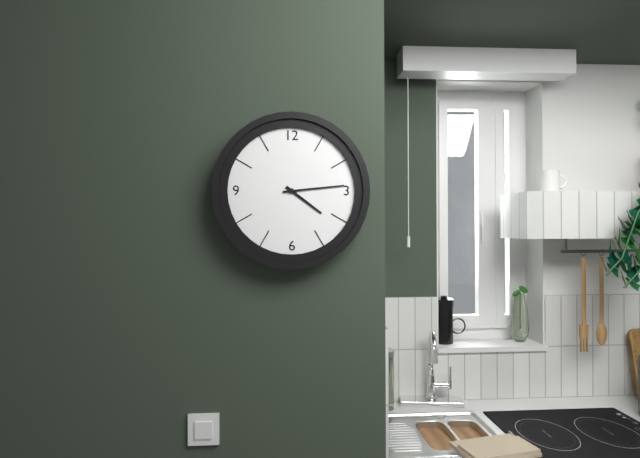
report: 4h14
